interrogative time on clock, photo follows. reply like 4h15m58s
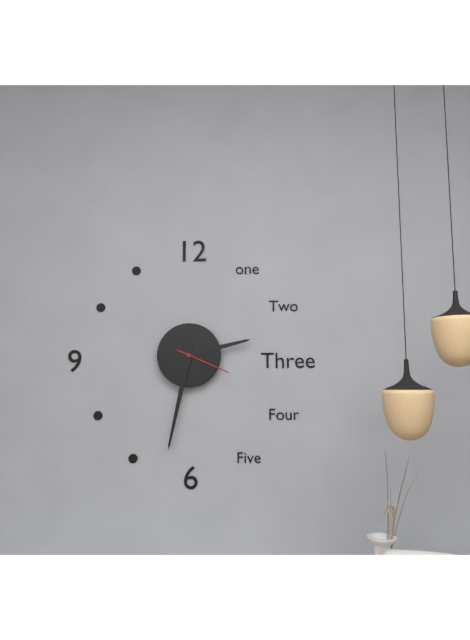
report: 2h32m19s
